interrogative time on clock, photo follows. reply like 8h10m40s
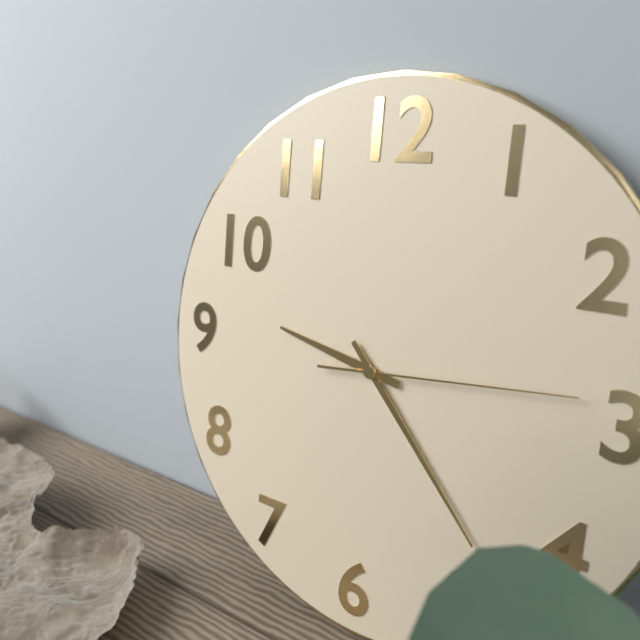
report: 9h23m14s
